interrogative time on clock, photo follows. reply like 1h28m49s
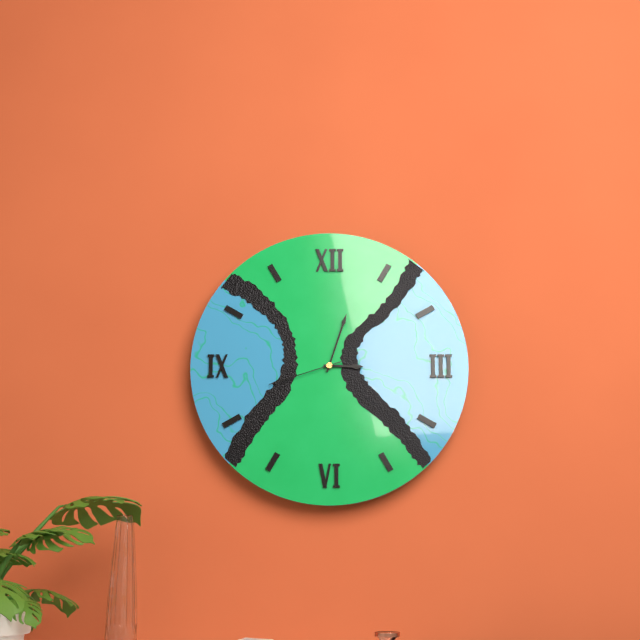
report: 3h03m42s
